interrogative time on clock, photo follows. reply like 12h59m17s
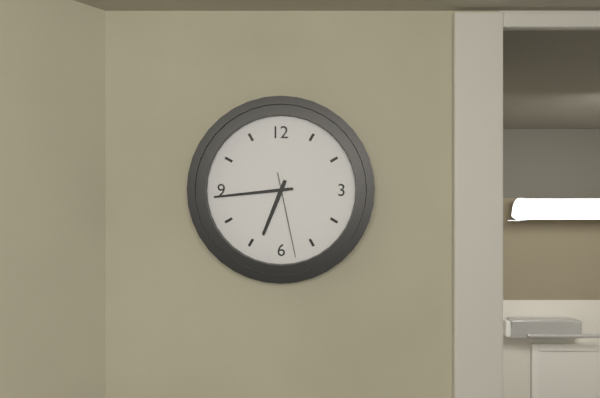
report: 6h44m28s
